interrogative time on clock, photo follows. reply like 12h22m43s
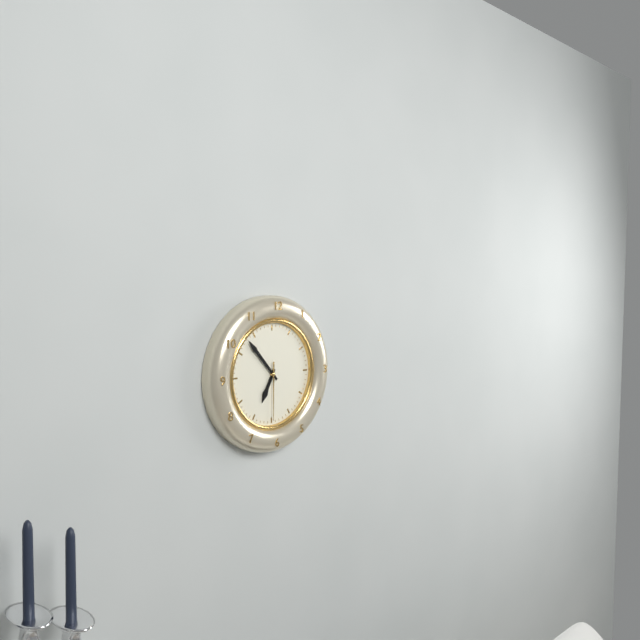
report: 6h53m30s
